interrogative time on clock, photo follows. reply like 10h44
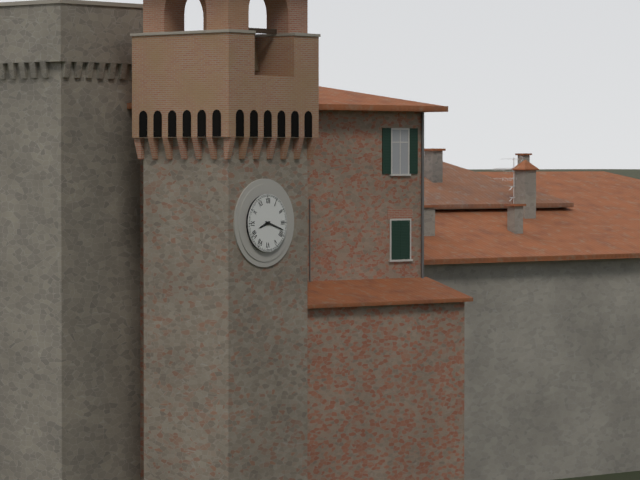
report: 8h18
